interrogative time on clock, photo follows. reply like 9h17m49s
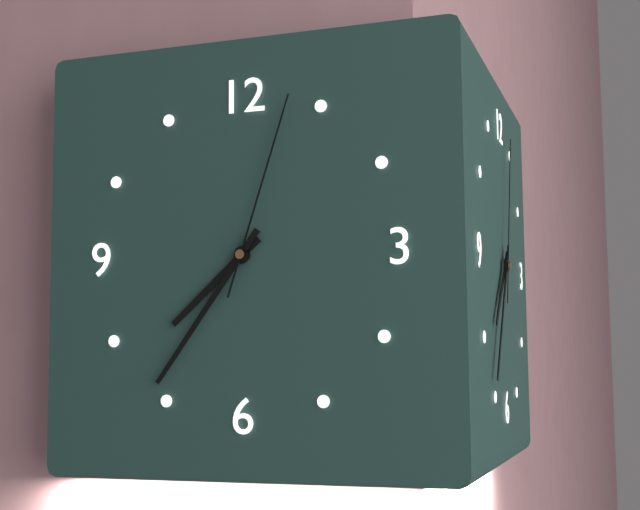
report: 7h36m03s
